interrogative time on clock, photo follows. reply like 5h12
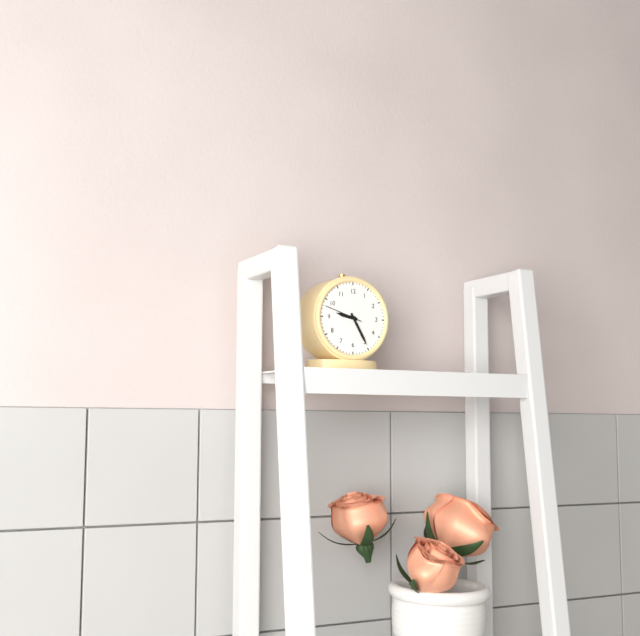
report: 9h25
